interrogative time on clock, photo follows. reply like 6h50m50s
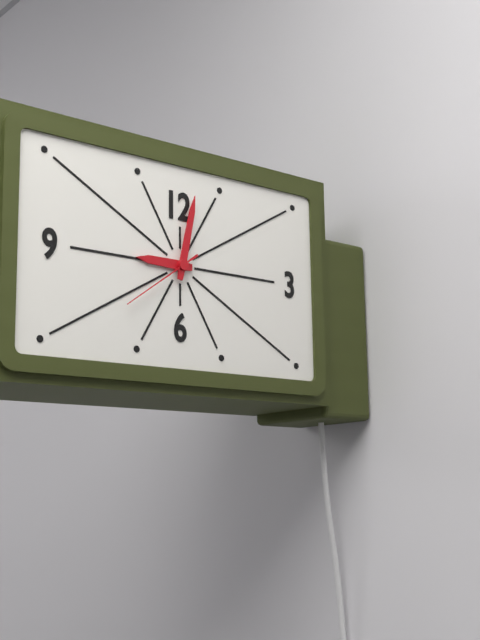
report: 9h02m39s
